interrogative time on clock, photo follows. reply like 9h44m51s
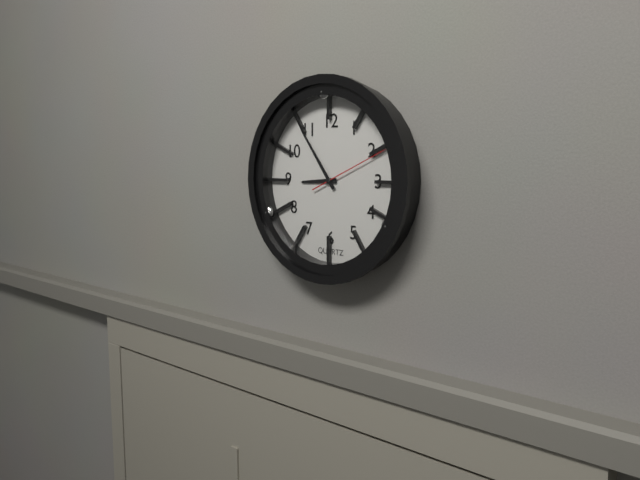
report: 8h54m11s
